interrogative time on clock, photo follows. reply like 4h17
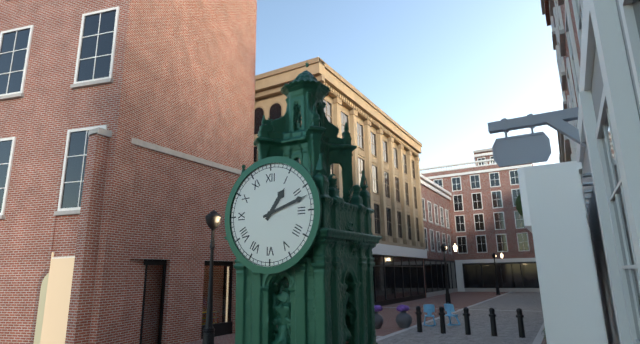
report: 1h12
